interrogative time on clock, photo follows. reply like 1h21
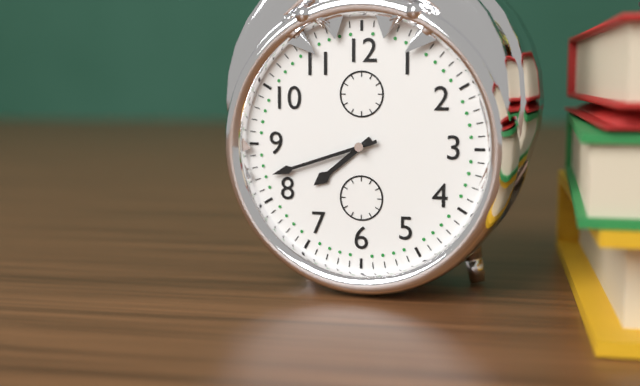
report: 7h42
